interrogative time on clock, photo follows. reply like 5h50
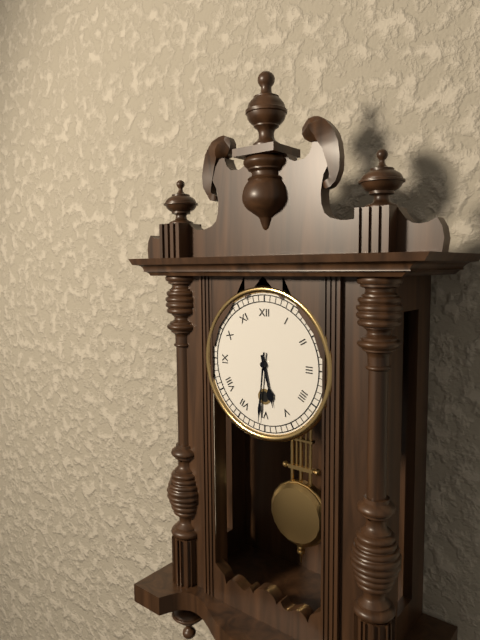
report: 5h31
